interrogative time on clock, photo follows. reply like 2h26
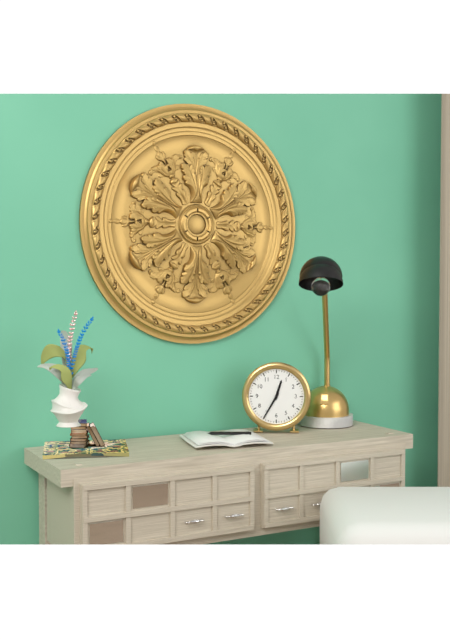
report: 12h35
